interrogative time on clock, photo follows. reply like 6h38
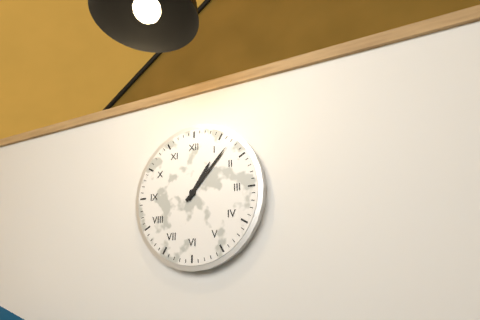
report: 1h07
